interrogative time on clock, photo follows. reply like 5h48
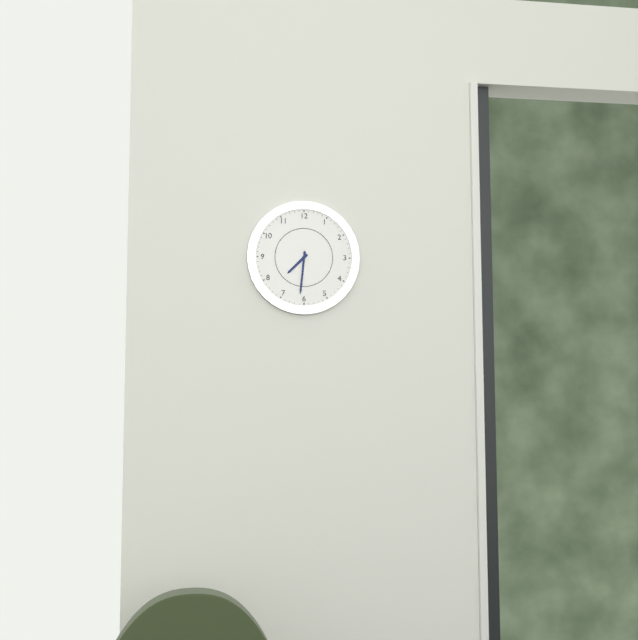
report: 7h31
